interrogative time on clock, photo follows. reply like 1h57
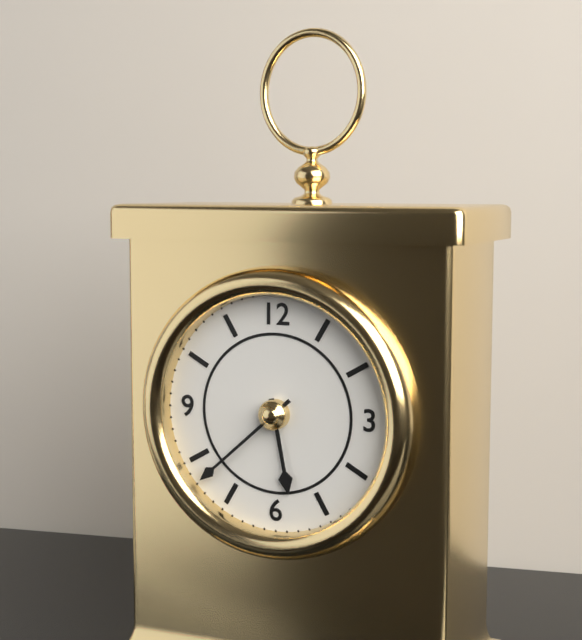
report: 5h38
